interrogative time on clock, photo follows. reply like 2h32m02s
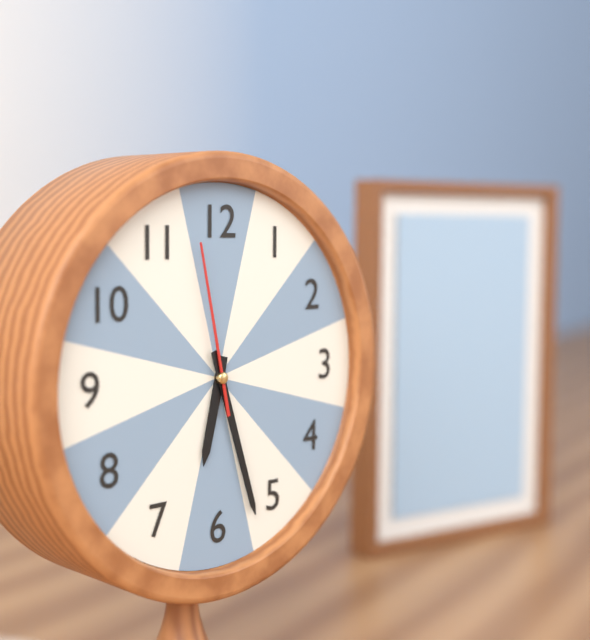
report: 6h27m58s
